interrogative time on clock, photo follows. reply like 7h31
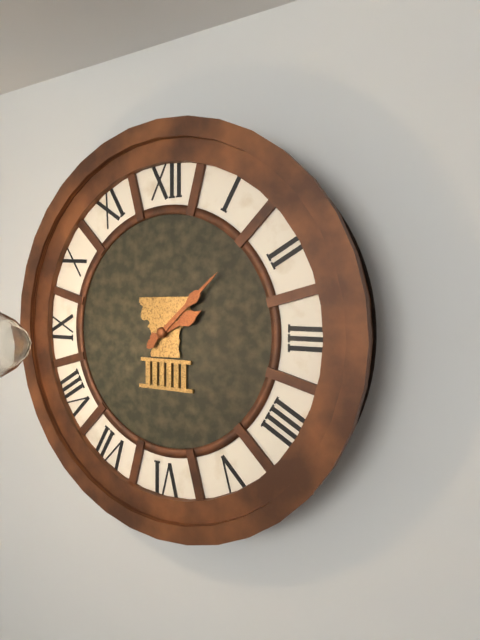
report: 2h08
